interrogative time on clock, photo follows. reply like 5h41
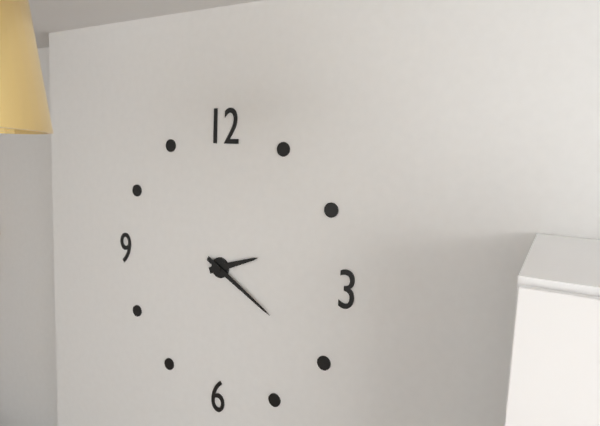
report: 2h20
